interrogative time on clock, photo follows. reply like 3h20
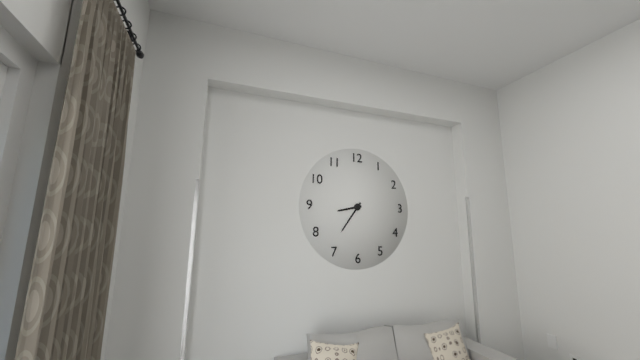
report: 8h36
